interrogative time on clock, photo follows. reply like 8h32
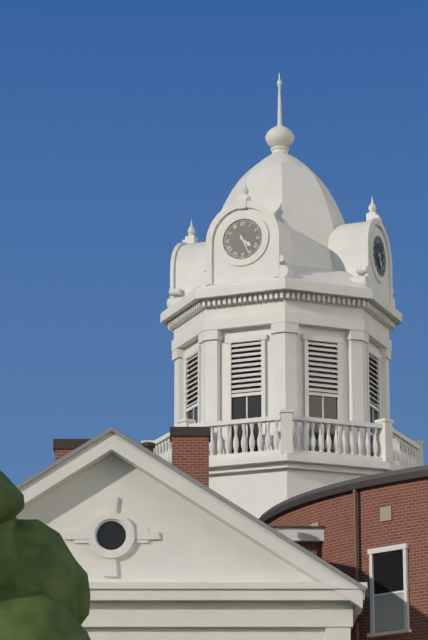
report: 4h26
